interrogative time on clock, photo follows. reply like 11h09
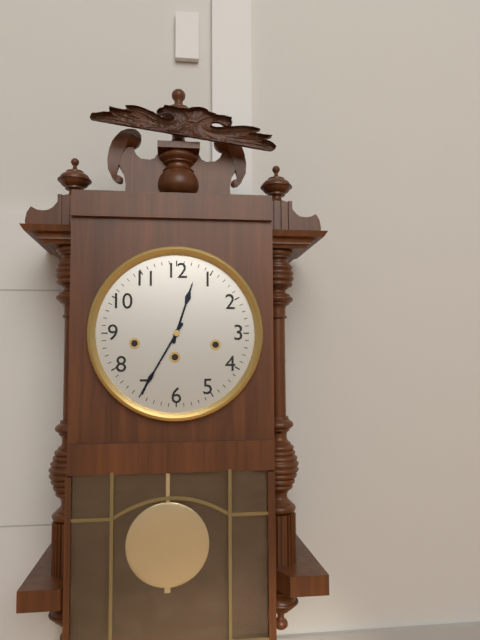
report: 12h35
